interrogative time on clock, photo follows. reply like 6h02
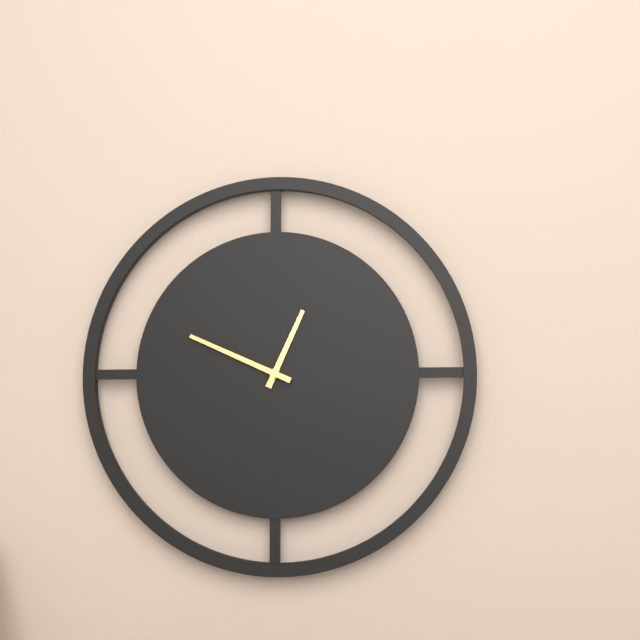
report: 12h49
